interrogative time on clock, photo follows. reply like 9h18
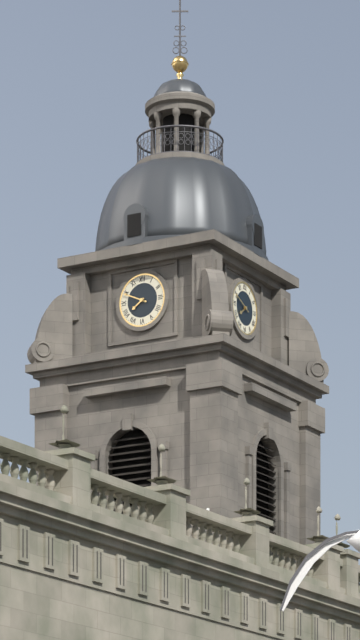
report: 7h49
